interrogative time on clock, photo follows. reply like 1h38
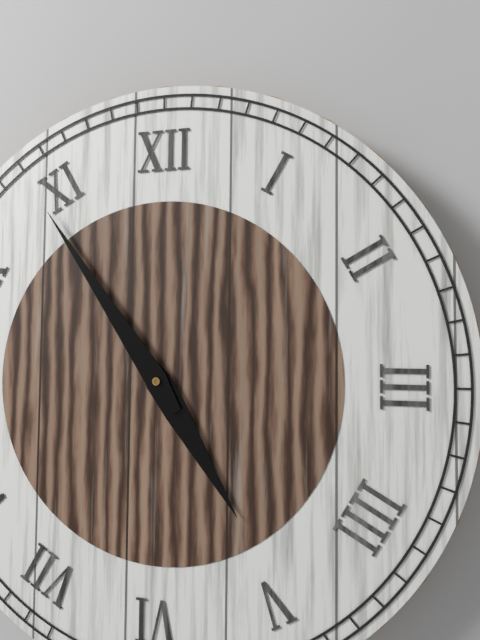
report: 4h54
